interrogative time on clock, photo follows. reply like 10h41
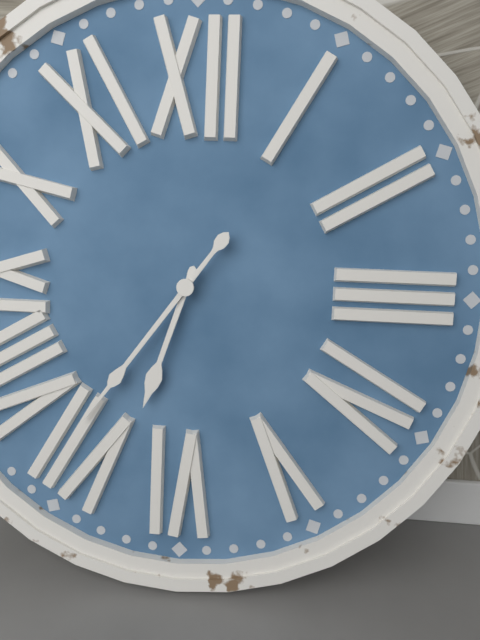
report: 6h36
